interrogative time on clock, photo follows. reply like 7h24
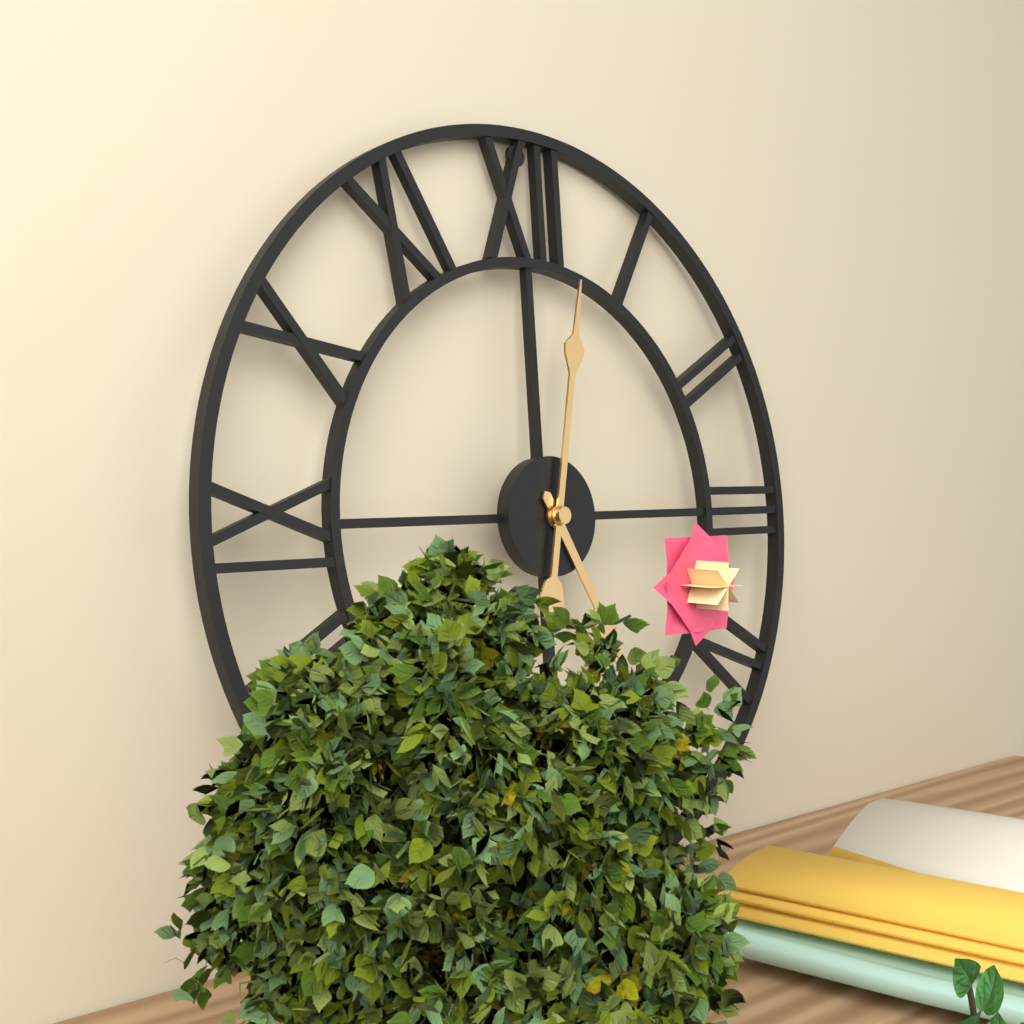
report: 5h02
